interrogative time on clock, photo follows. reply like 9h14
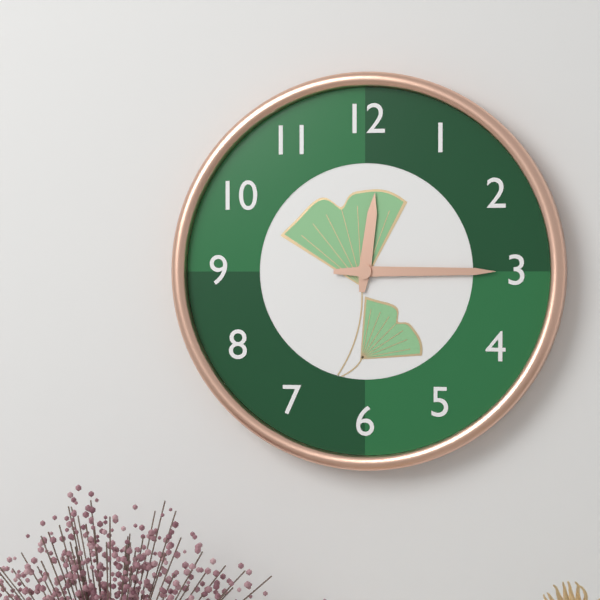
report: 12h15
